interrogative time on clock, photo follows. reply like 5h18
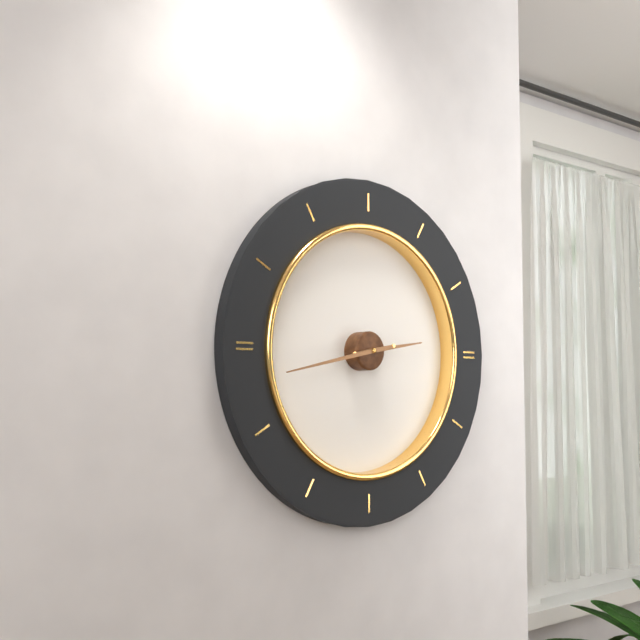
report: 2h43
